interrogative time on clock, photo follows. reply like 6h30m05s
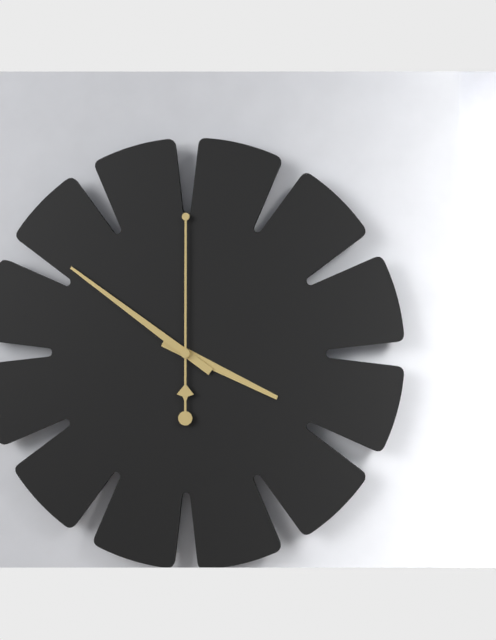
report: 3h51m00s
